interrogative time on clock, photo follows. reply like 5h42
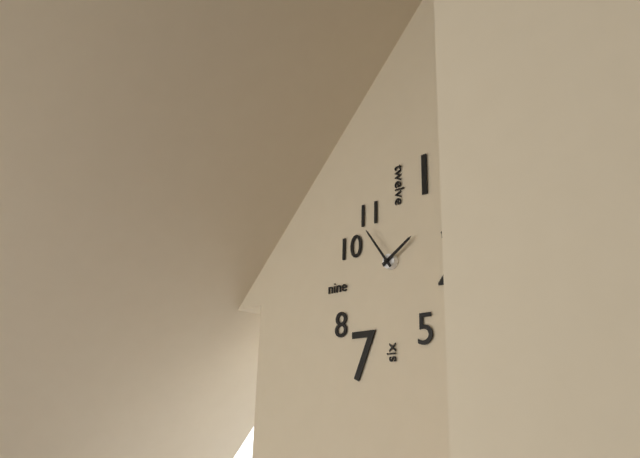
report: 1h54
